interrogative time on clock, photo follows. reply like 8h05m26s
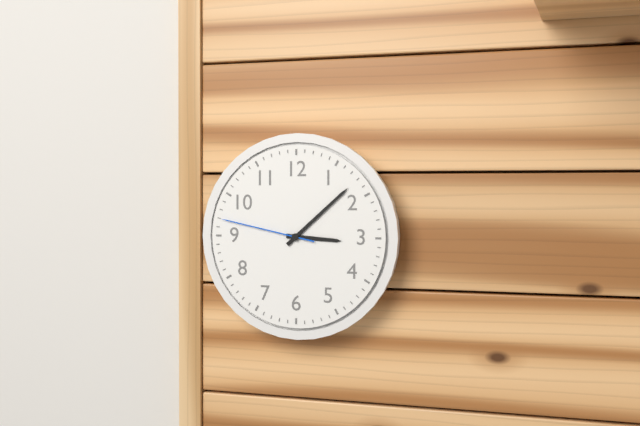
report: 3h08m47s
